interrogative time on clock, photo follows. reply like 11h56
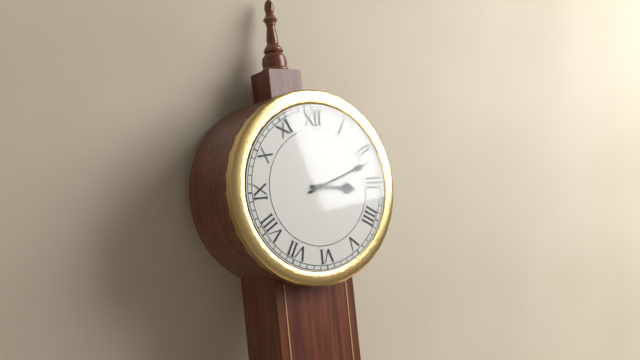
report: 3h12
